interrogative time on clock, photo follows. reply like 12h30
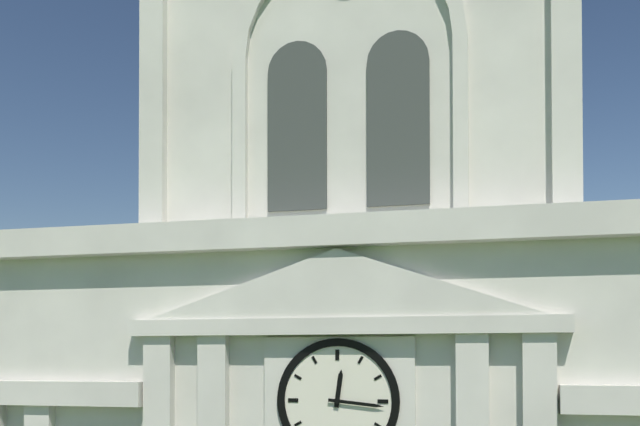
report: 12h16
